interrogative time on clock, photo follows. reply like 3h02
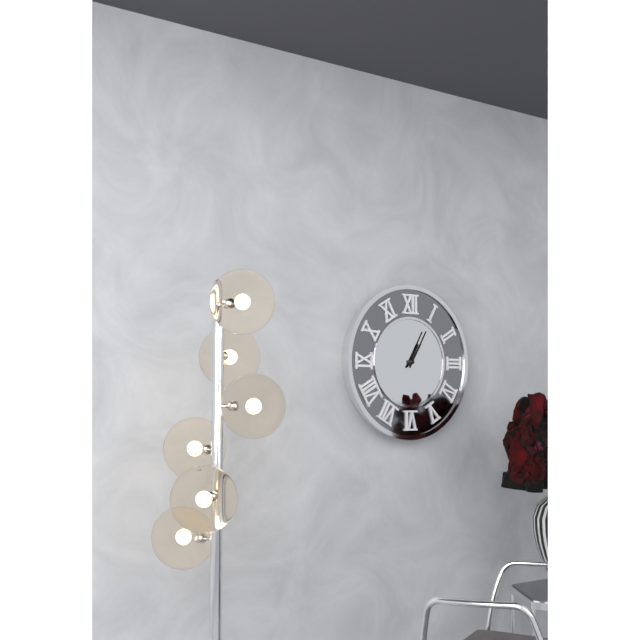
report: 1h05
